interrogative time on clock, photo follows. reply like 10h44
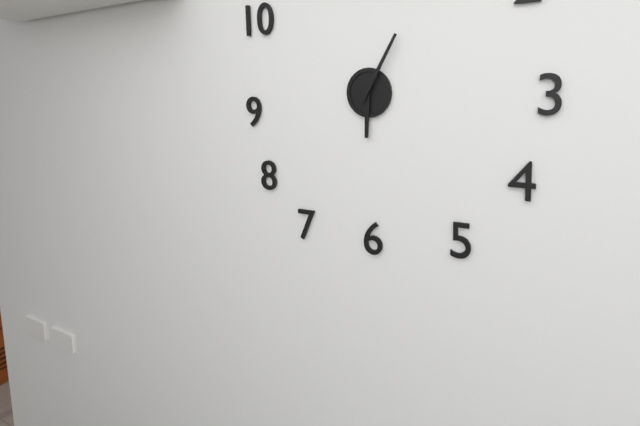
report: 6h05
